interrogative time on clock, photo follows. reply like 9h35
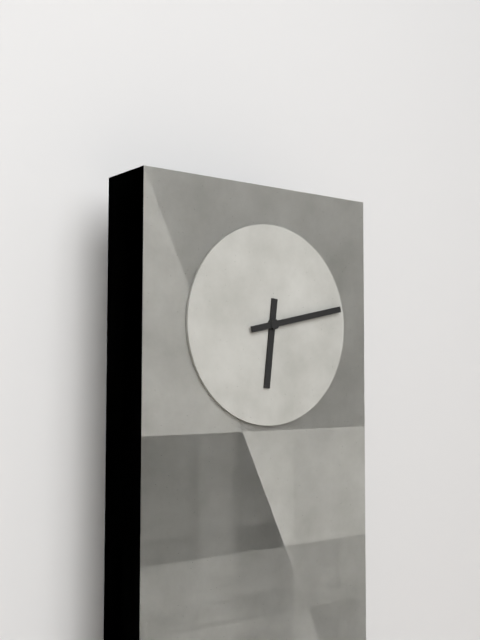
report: 6h13
